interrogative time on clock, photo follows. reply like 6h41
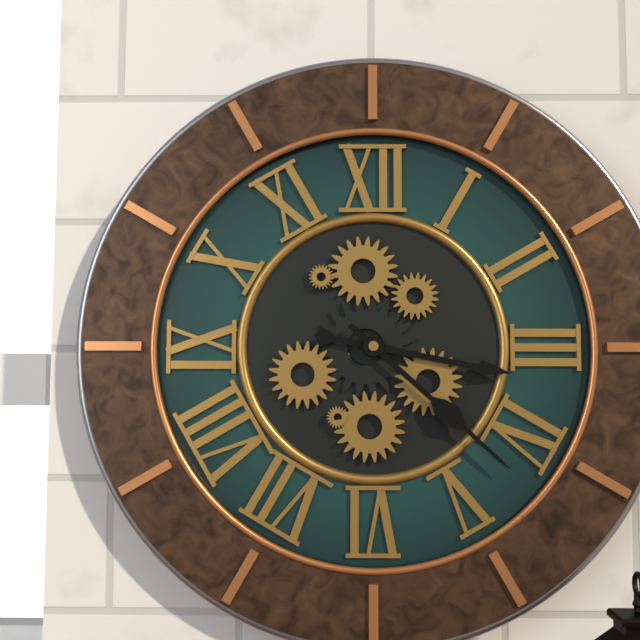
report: 3h22
